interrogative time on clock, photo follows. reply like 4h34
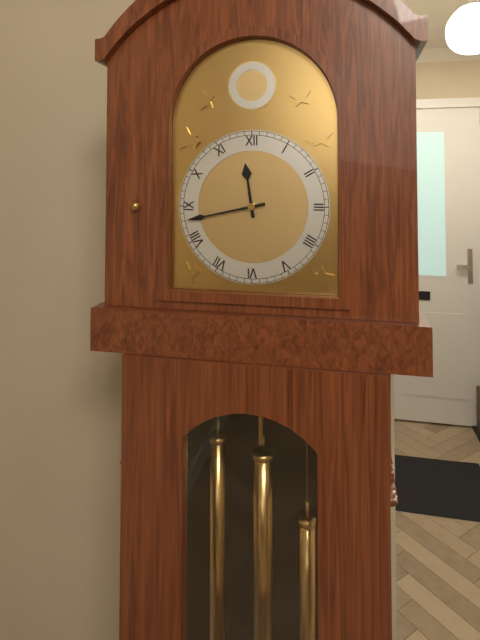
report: 11h43
